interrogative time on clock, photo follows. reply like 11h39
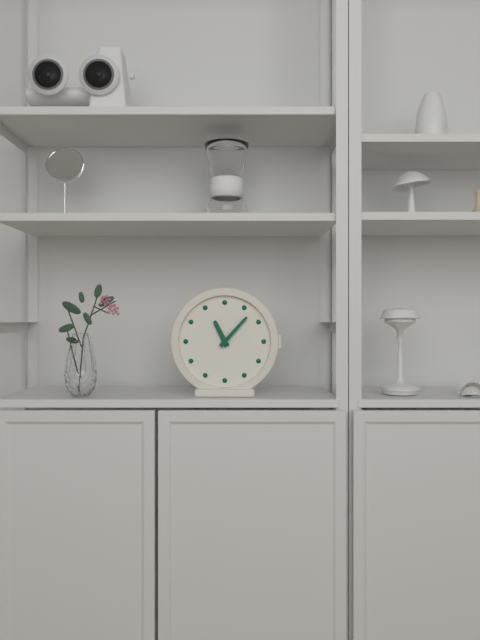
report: 11h07
